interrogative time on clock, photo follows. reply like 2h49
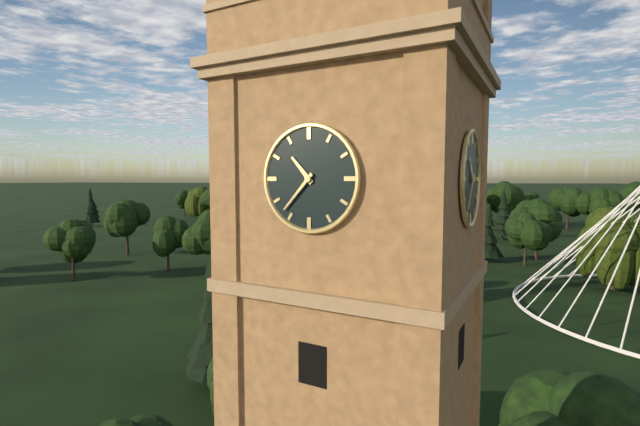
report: 10h37
